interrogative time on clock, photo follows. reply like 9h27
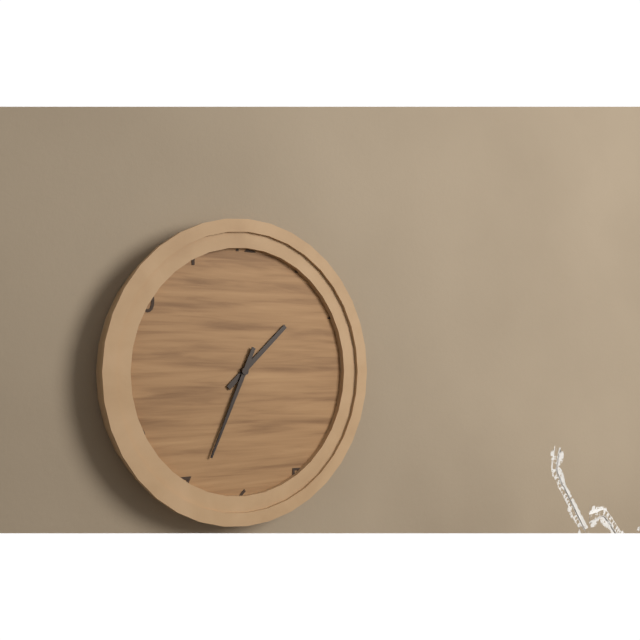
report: 1h34
